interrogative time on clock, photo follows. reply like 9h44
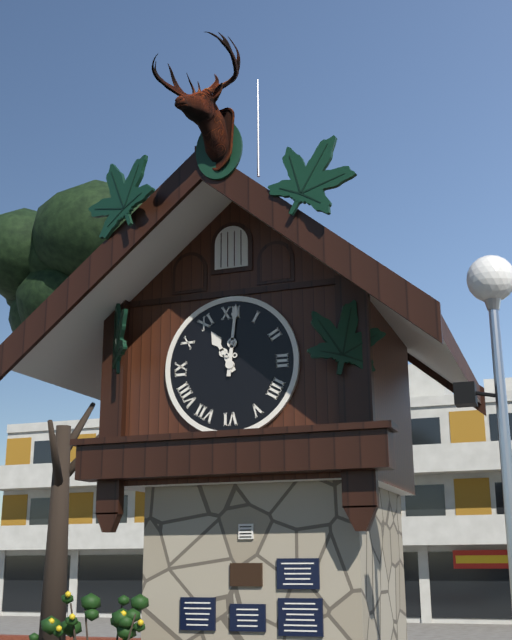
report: 11h01
